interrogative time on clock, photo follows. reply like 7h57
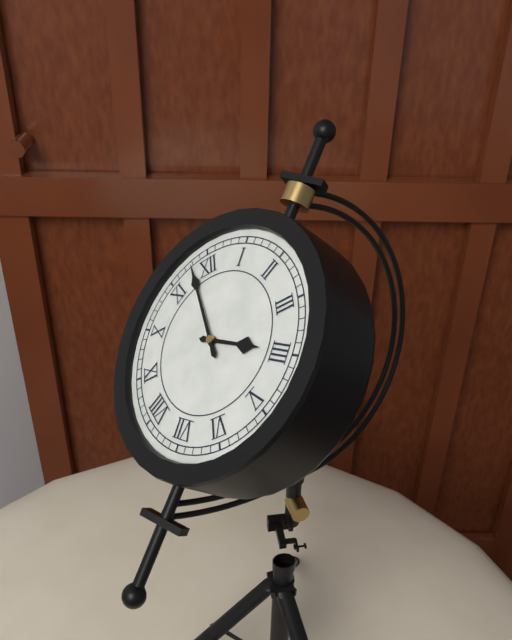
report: 3h58
